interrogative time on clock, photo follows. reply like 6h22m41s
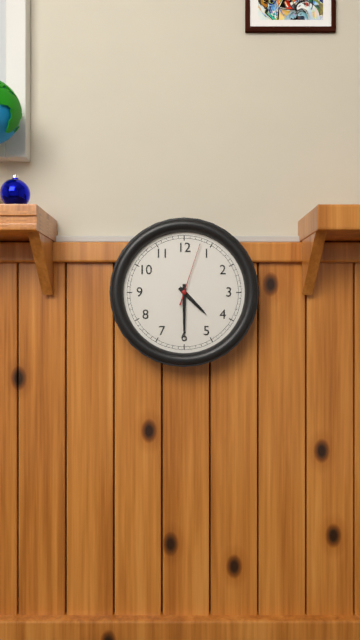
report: 4h30m03s
